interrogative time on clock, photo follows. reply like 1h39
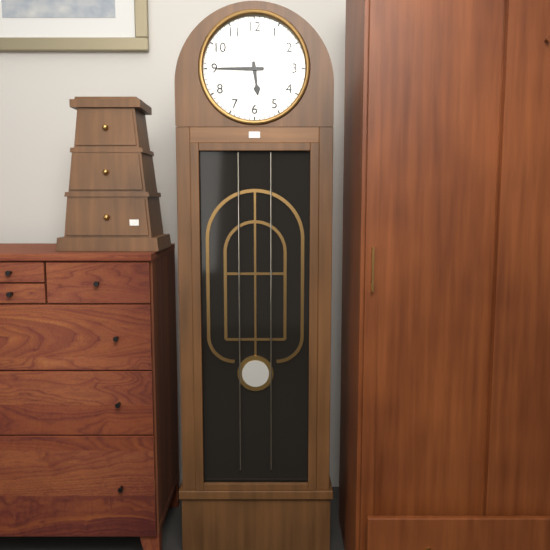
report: 5h45
